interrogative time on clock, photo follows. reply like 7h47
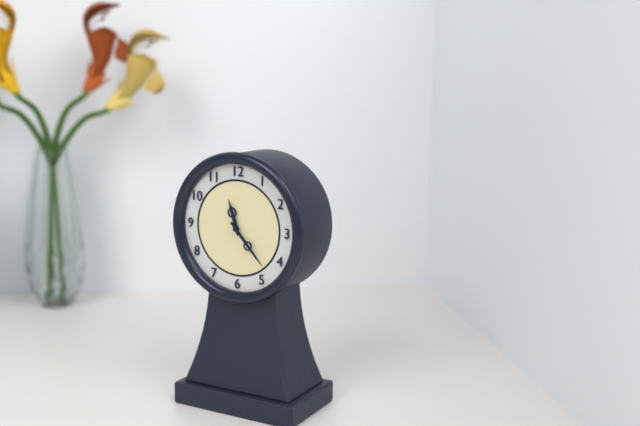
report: 11h23
